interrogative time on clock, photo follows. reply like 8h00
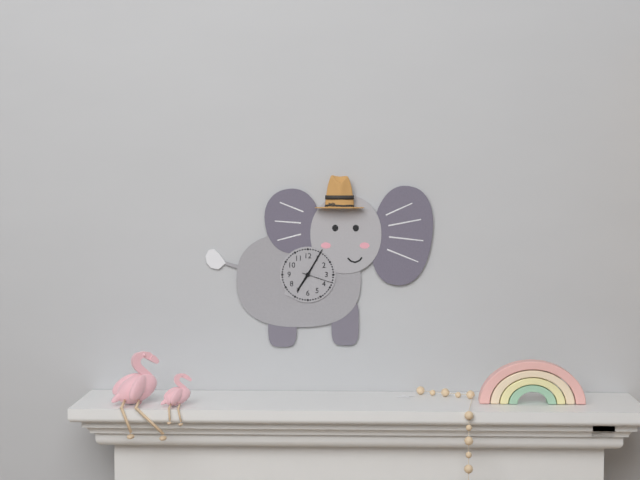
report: 7h05
